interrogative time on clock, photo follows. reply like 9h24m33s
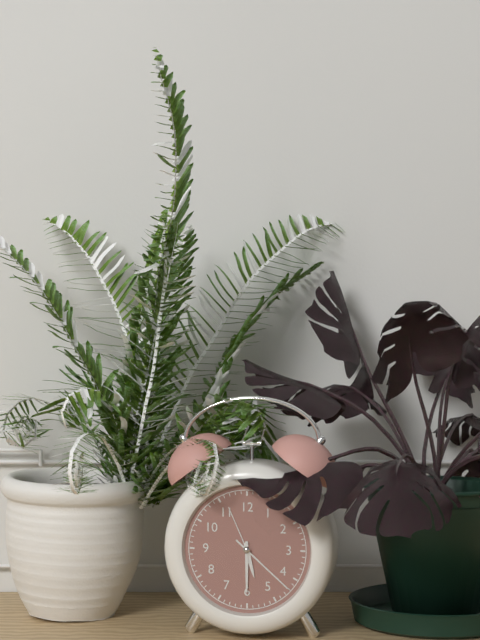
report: 5h30m22s
